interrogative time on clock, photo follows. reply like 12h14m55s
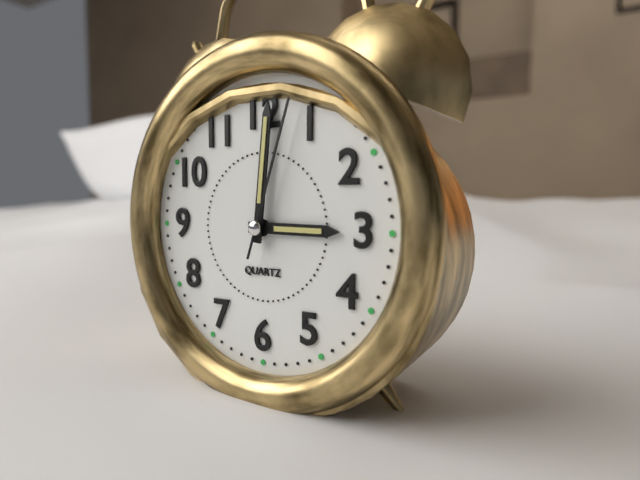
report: 3h01m03s
